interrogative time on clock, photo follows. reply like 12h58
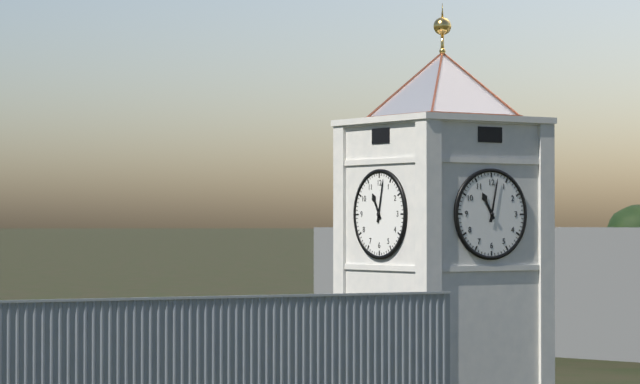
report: 11h02
